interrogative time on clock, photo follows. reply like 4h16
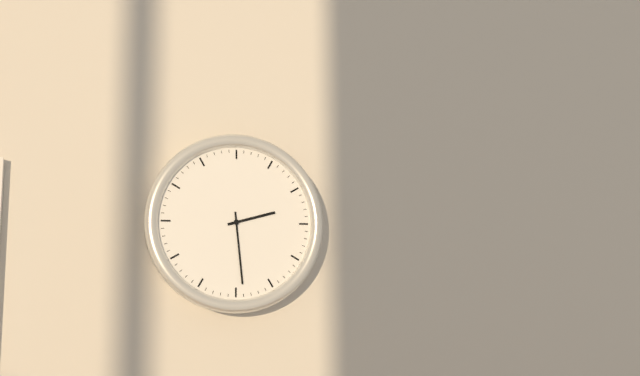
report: 2h29
